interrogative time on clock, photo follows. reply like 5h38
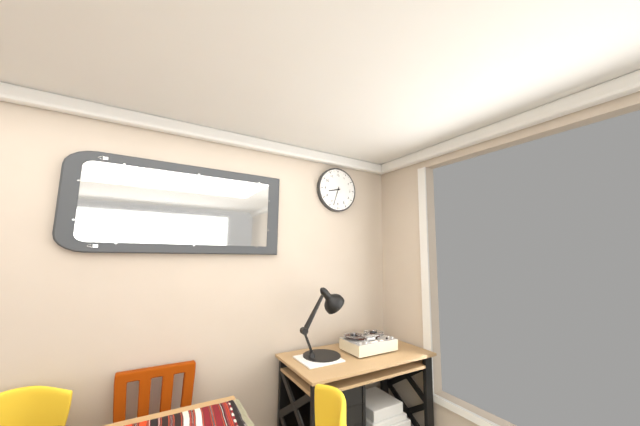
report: 8h33
